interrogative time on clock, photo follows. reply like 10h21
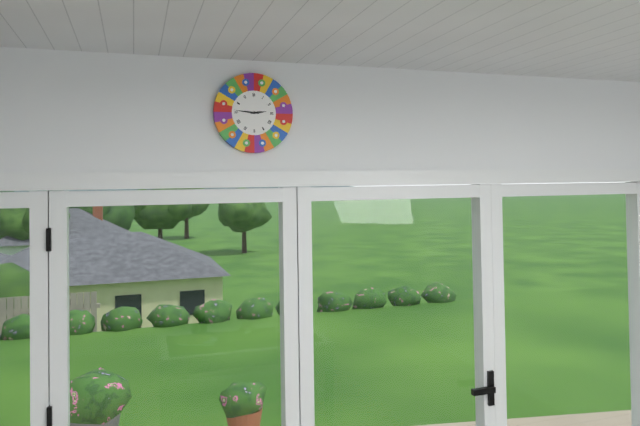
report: 2h46
